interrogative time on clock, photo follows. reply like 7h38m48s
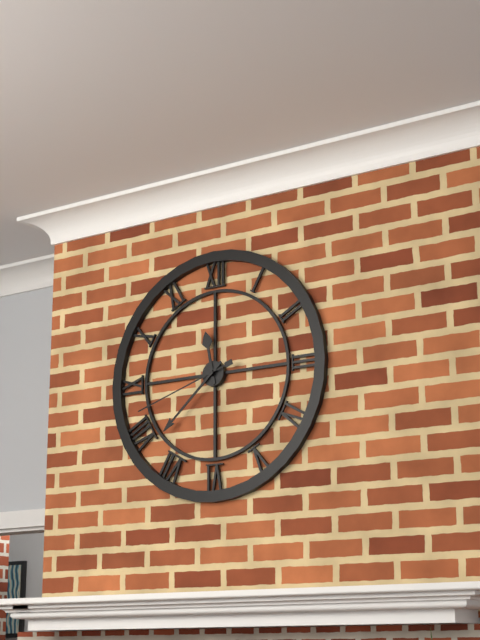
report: 11h38m42s
